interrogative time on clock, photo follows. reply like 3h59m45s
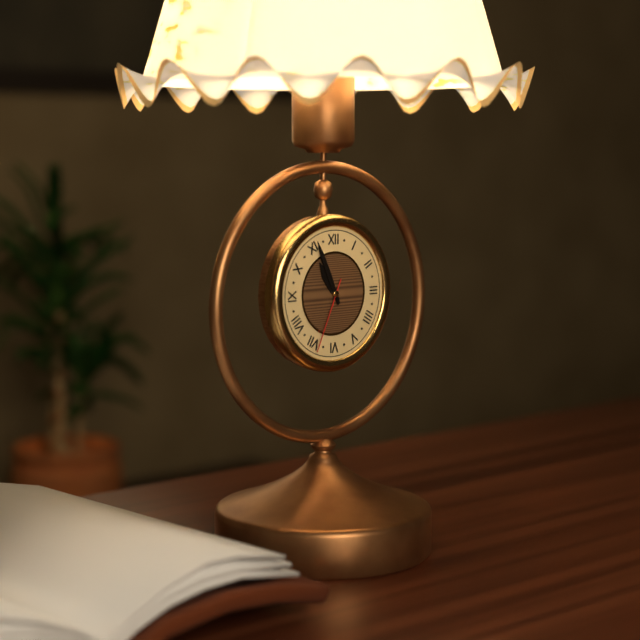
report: 10h56m34s
